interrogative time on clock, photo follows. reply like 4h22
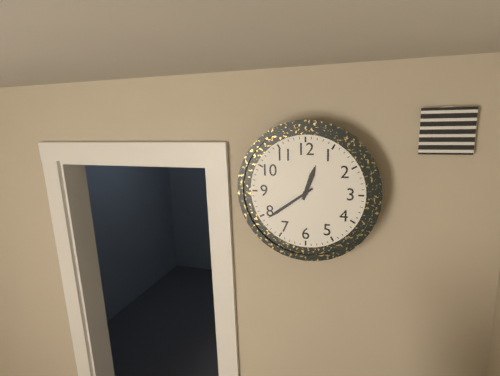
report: 12h39
